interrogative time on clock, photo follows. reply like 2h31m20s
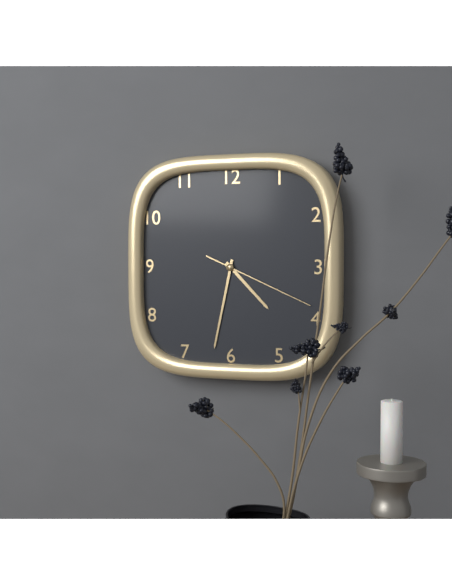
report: 4h32m19s
